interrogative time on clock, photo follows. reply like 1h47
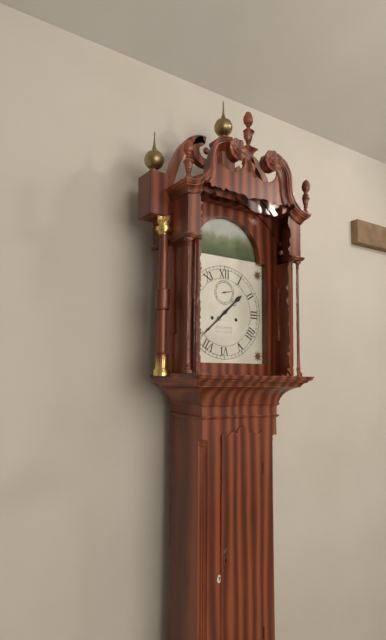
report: 1h38
